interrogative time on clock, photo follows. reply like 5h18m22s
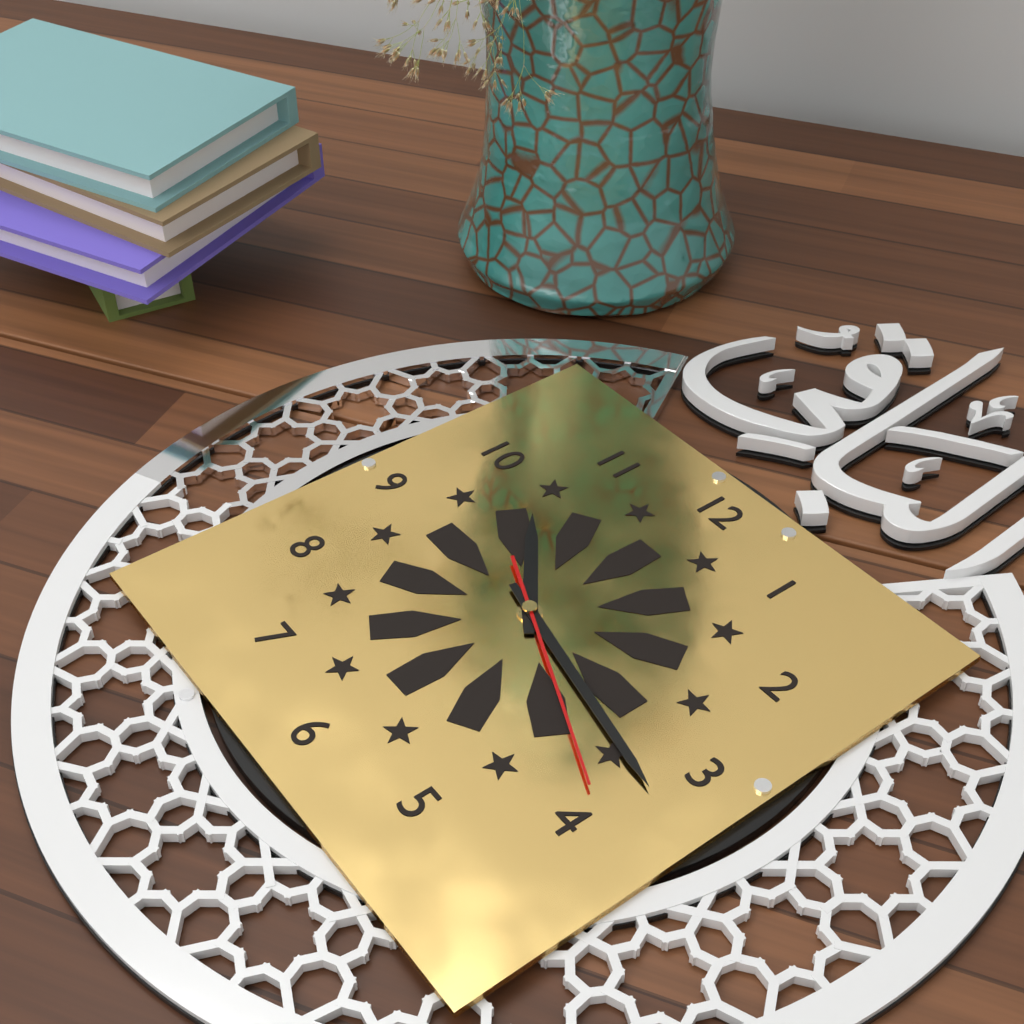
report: 10h17m19s
